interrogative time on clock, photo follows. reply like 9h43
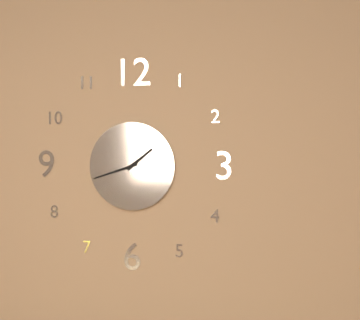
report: 1h42
